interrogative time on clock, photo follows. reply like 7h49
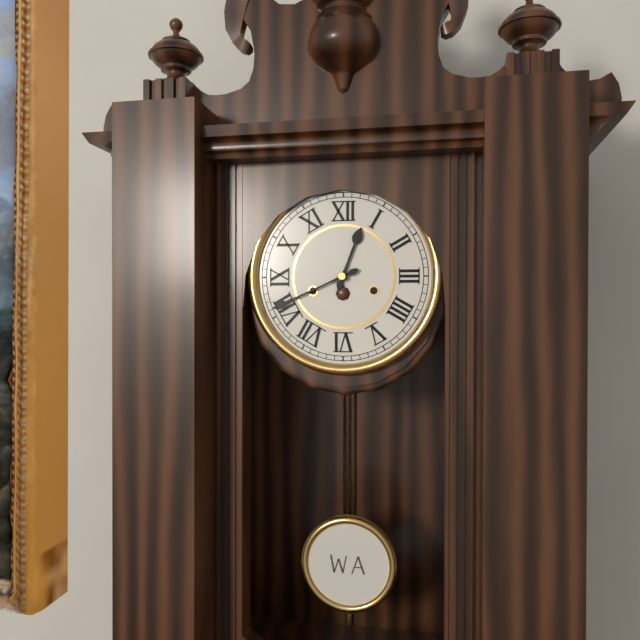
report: 12h41
